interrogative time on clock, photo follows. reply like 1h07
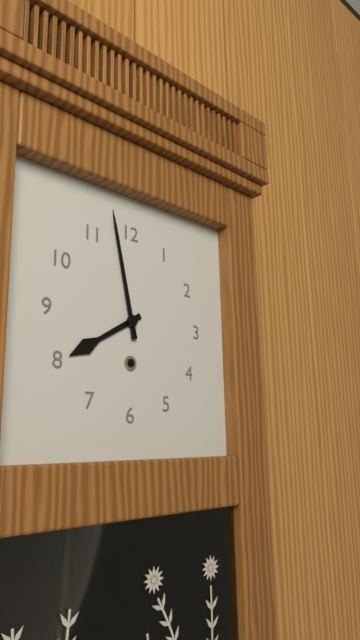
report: 7h58
